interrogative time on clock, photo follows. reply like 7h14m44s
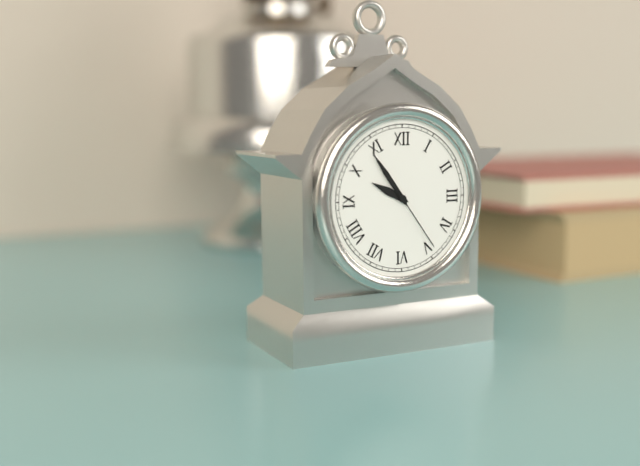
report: 9h54m24s
